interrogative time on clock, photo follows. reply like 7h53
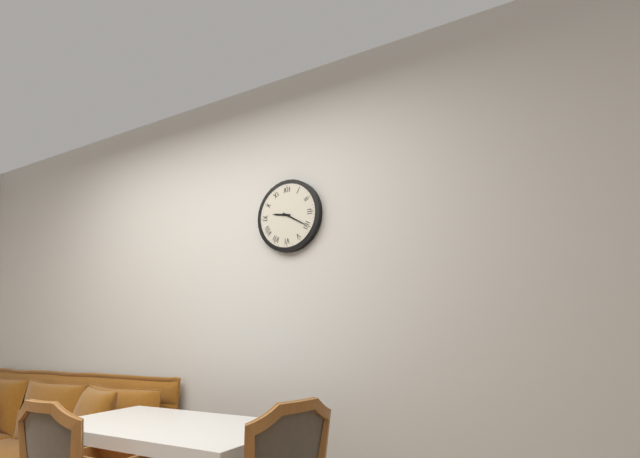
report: 9h20
